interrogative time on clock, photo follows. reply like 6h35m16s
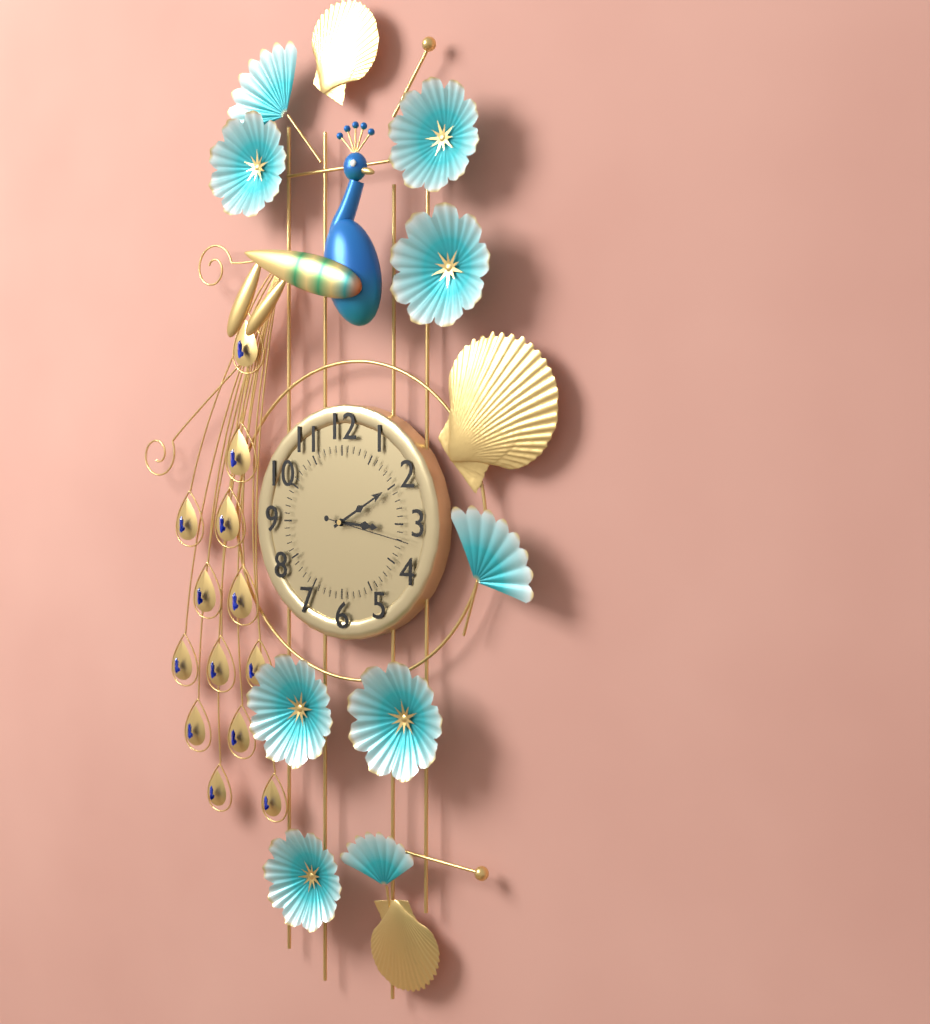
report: 3h10m17s
